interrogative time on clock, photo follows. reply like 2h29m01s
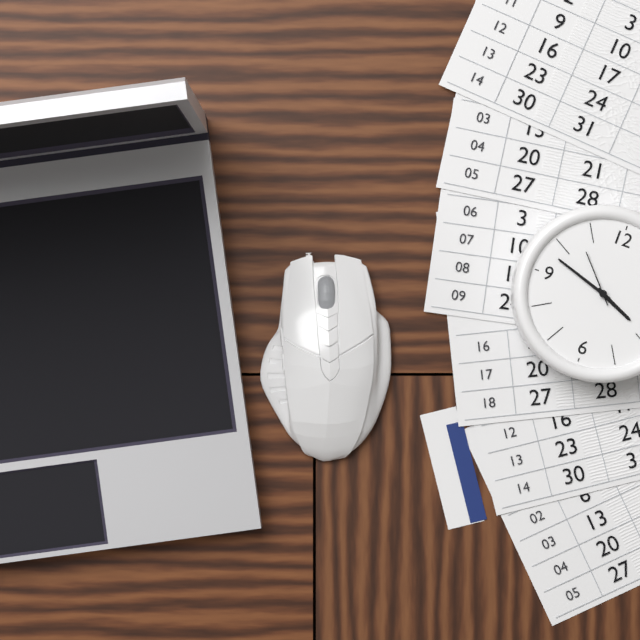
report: 3h48m53s
